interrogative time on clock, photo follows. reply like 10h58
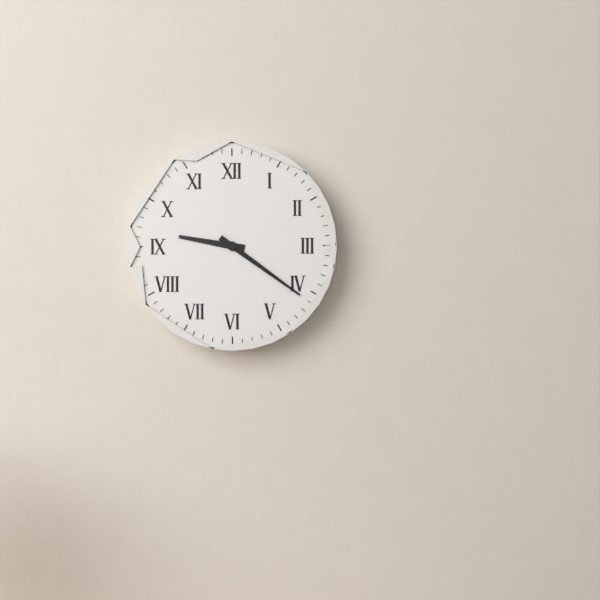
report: 9h21
